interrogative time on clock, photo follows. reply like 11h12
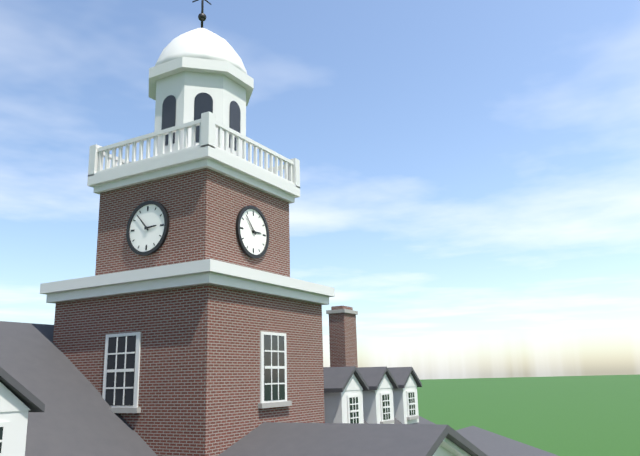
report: 2h53
